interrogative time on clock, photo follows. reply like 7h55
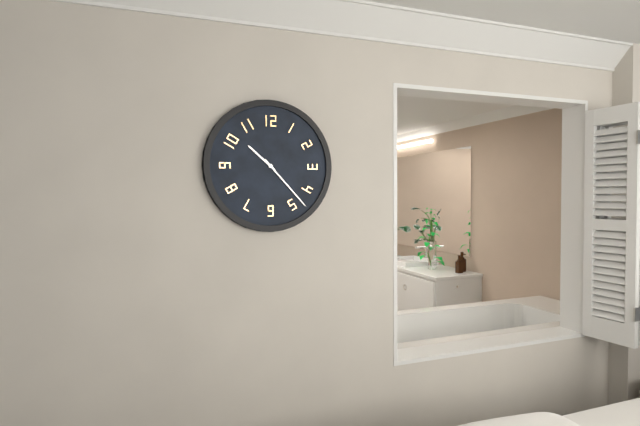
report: 10h23
